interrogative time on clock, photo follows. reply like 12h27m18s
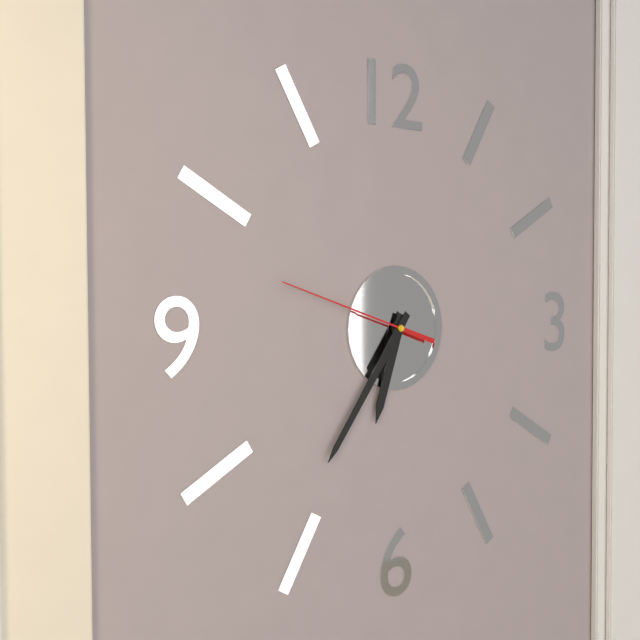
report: 6h36m48s
